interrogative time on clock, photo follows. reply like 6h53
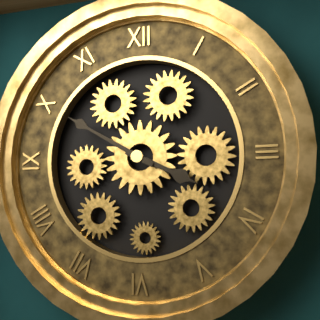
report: 3h50
